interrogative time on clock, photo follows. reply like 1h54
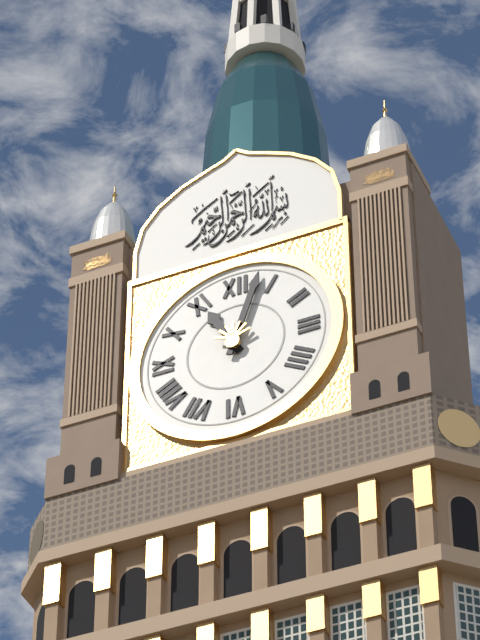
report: 11h03
